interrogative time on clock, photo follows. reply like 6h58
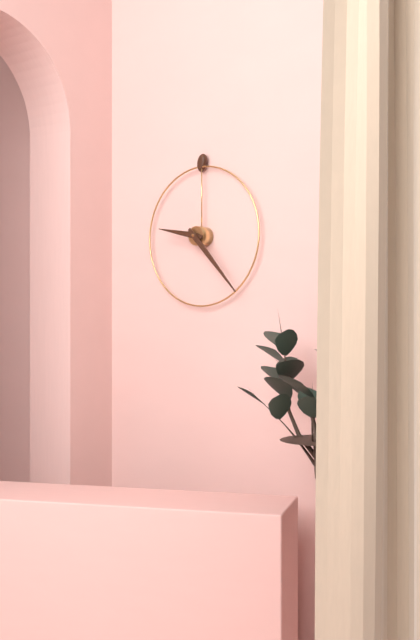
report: 9h23
